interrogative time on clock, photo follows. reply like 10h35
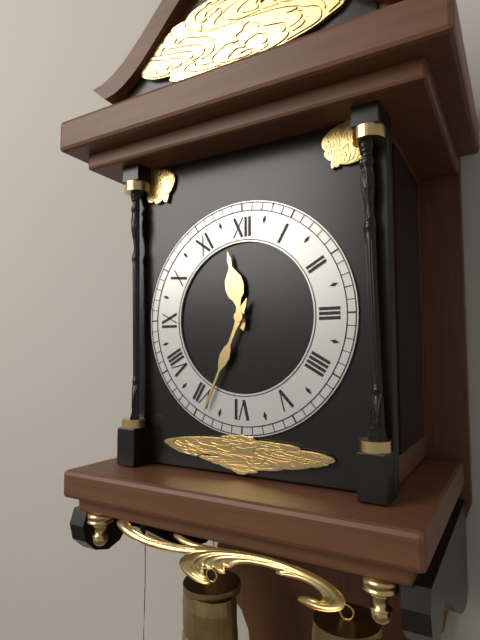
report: 11h34
